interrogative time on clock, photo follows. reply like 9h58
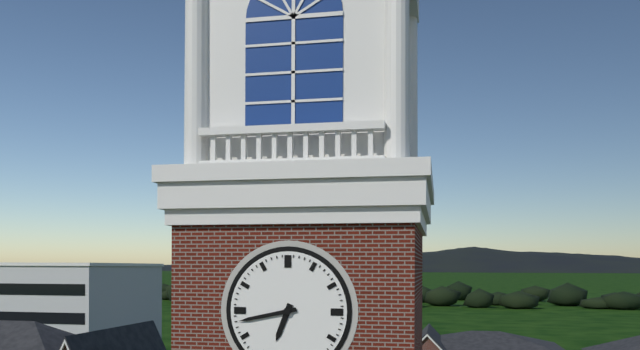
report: 6h43
